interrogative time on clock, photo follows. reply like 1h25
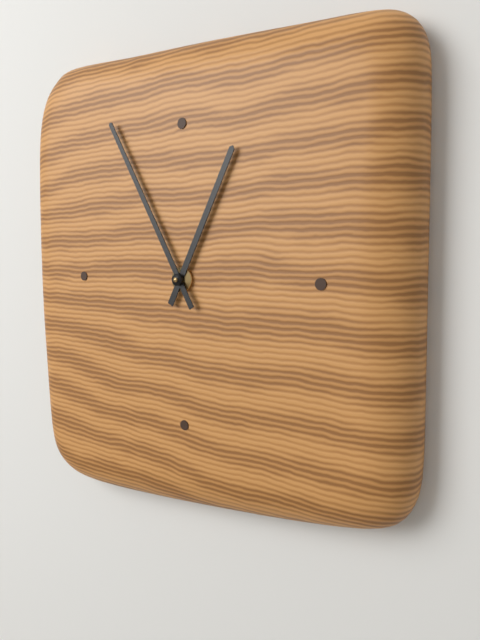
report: 12h55
